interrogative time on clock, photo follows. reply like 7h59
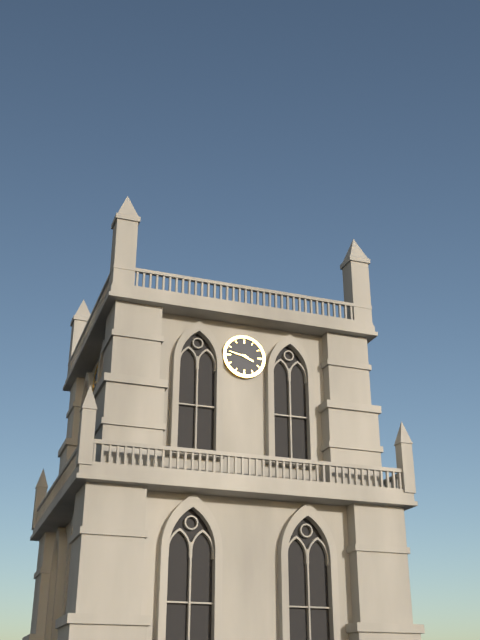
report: 3h47
